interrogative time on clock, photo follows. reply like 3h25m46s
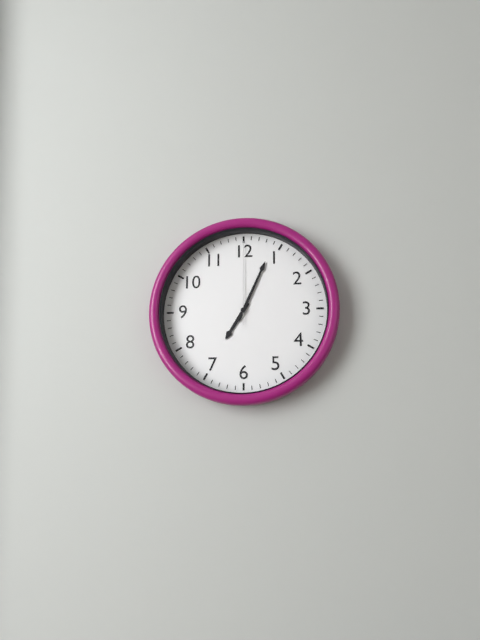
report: 7h04m00s
